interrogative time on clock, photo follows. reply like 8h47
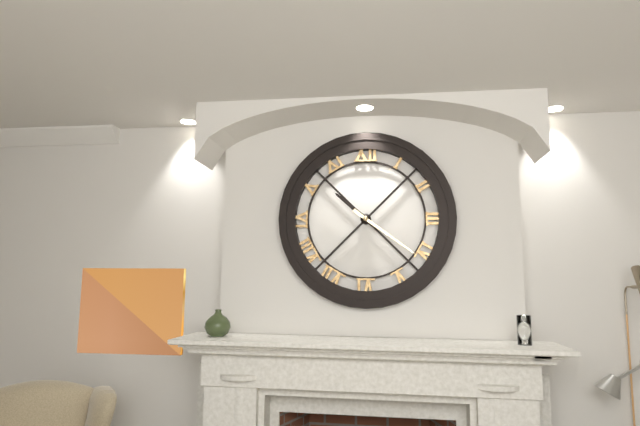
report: 10h21
